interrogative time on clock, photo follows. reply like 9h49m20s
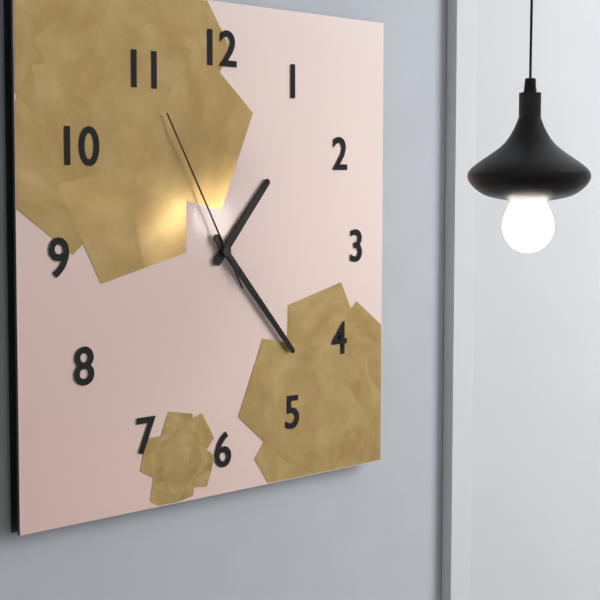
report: 1h23m55s
